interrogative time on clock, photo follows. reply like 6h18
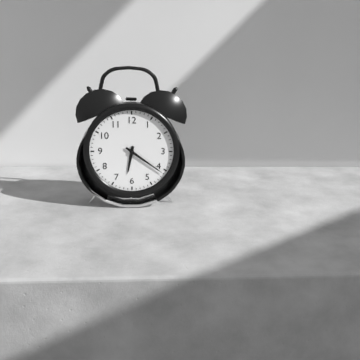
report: 6h21
